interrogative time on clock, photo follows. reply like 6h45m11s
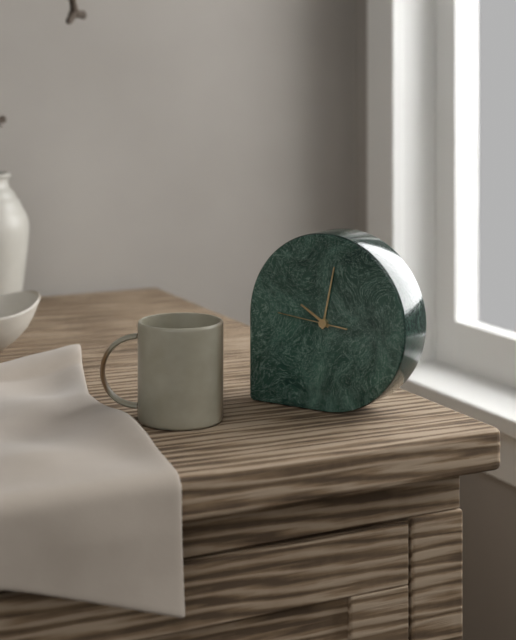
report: 10h02m46s
